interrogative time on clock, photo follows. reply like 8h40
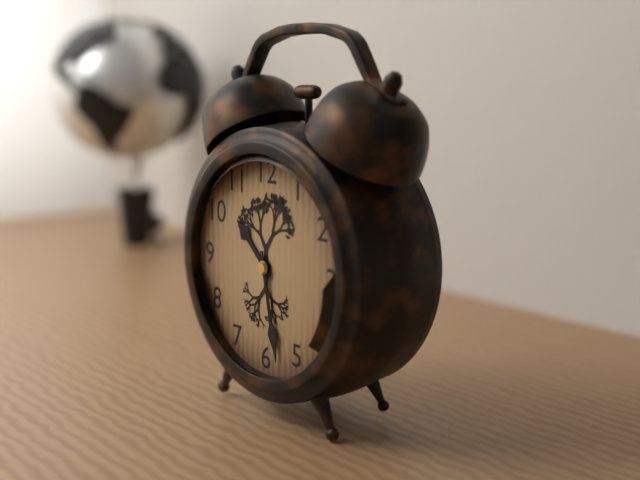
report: 10h28
